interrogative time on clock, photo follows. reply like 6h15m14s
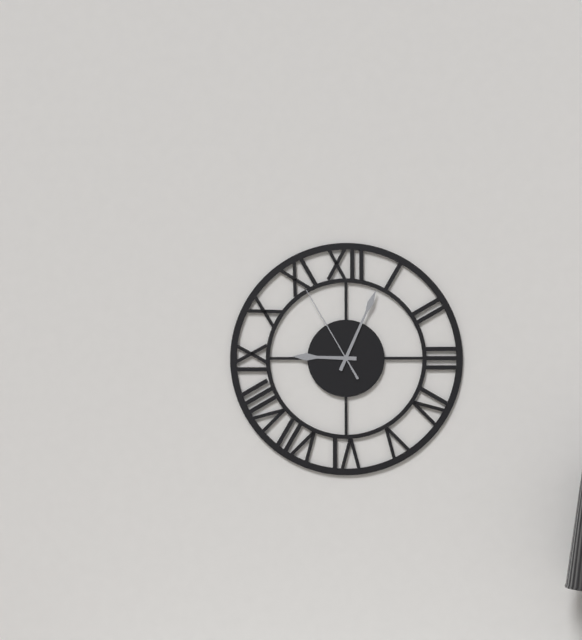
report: 9h04m55s
